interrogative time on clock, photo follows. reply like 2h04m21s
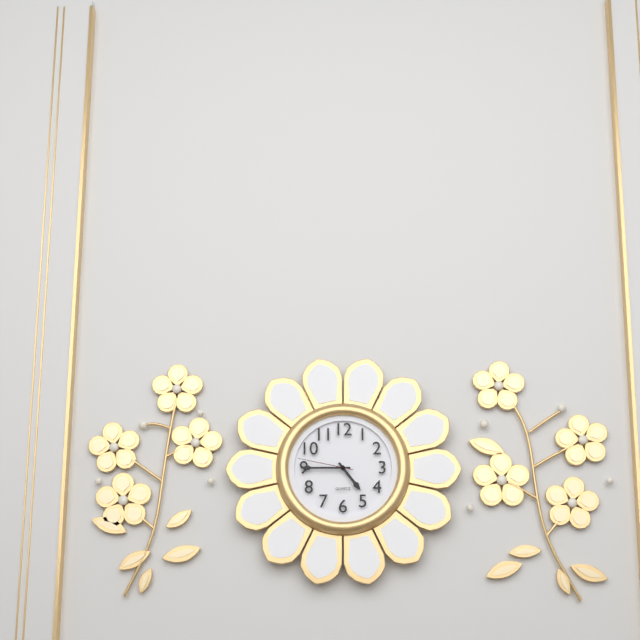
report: 4h45m47s
